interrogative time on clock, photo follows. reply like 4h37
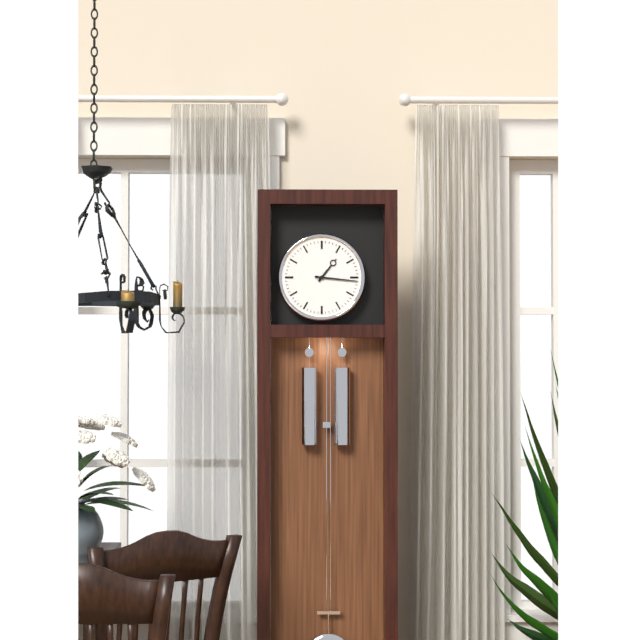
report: 1h16
